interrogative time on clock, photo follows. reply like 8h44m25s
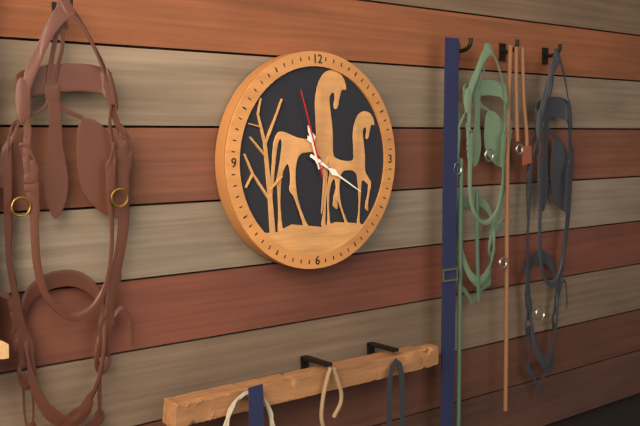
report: 11h20m57s
